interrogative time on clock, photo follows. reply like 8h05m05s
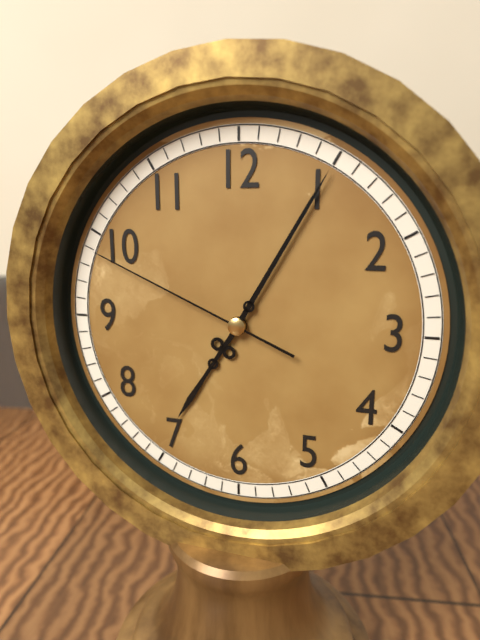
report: 7h05m49s
